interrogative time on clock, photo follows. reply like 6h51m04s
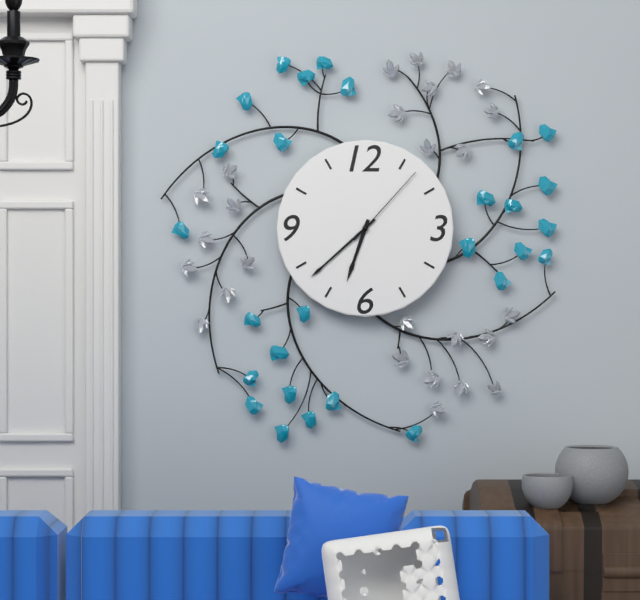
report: 6h38m07s
